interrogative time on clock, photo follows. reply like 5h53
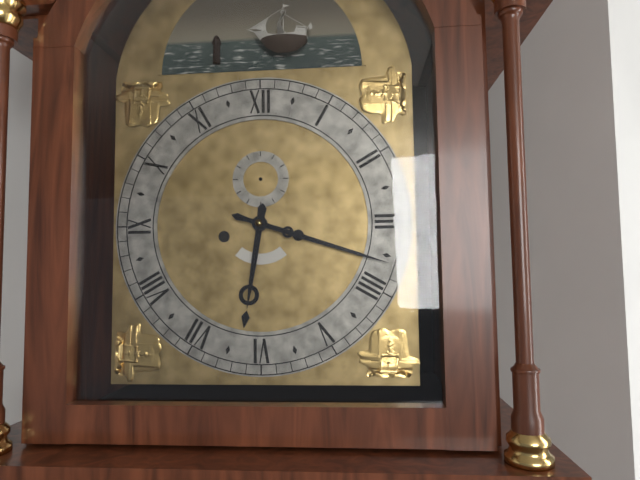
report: 6h18
